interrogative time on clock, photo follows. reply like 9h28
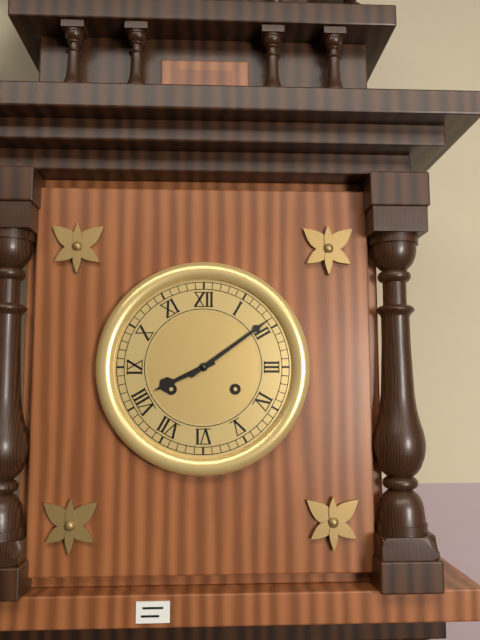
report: 8h09
